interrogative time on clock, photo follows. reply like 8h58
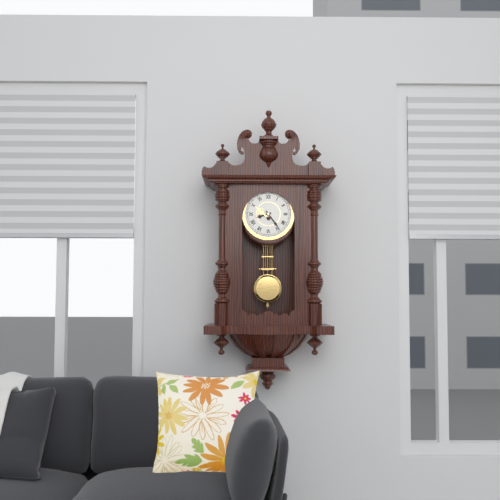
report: 8h24
